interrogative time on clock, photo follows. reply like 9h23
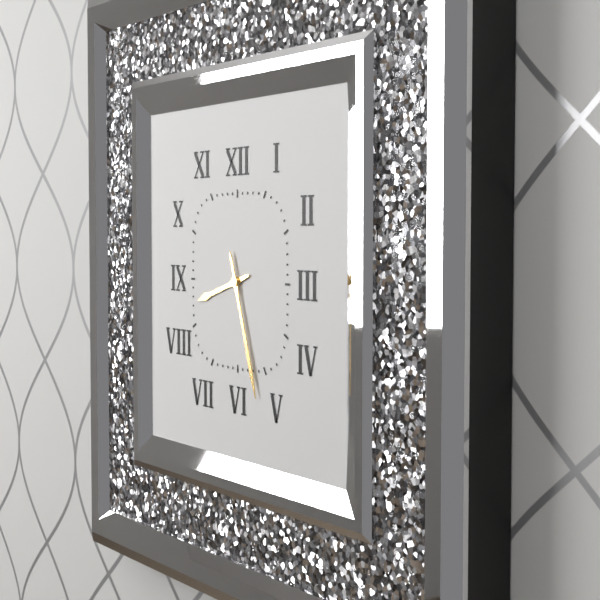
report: 8h27
